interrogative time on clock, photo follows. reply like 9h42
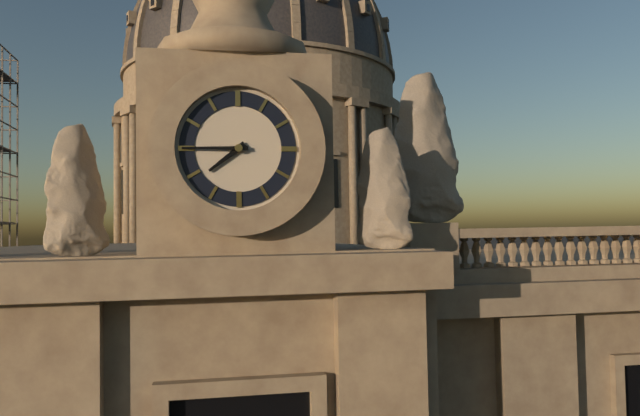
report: 7h45
